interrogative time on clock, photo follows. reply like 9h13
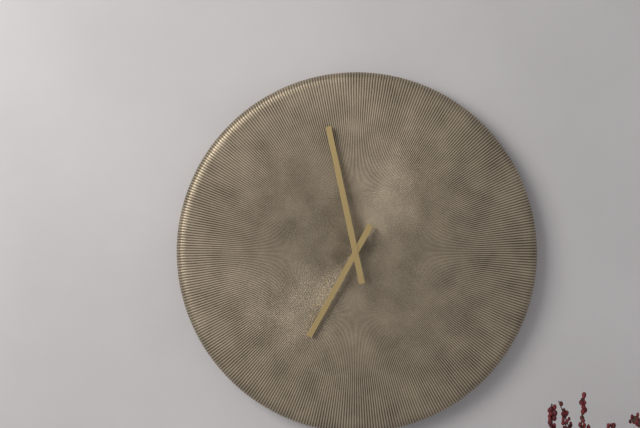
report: 6h58
